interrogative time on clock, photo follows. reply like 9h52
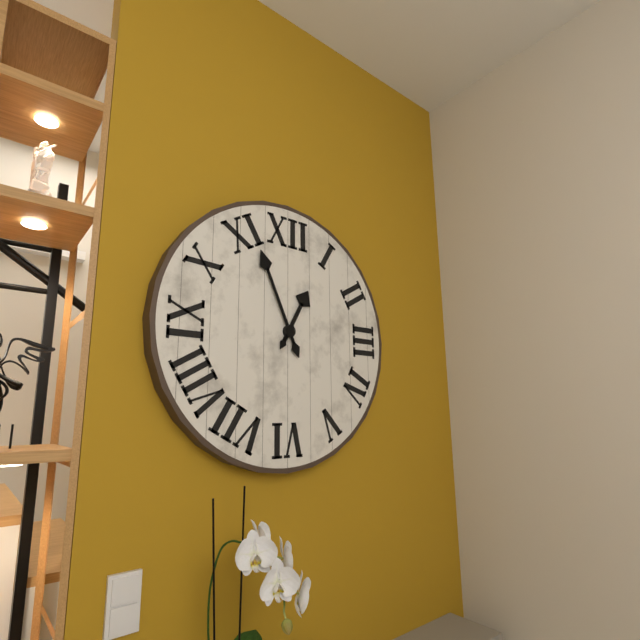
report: 12h56
